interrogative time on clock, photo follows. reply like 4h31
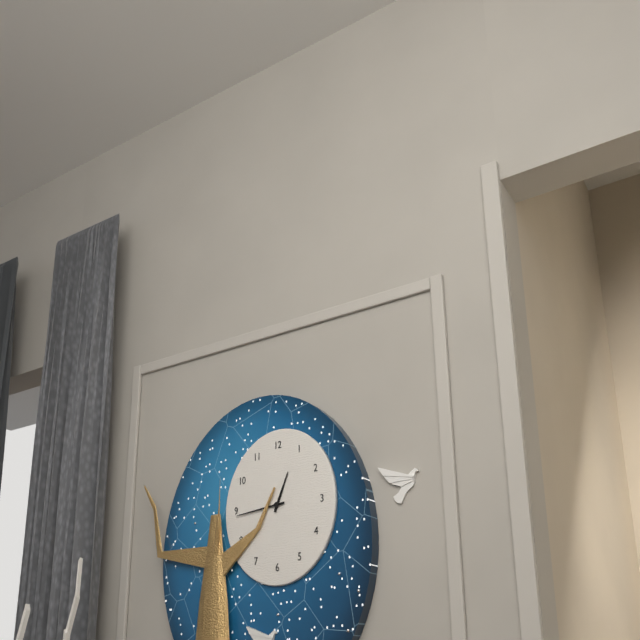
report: 12h44
